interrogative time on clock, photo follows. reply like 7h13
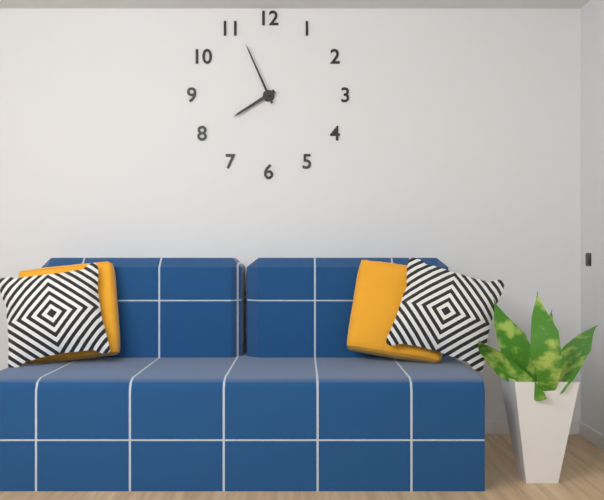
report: 7h56
